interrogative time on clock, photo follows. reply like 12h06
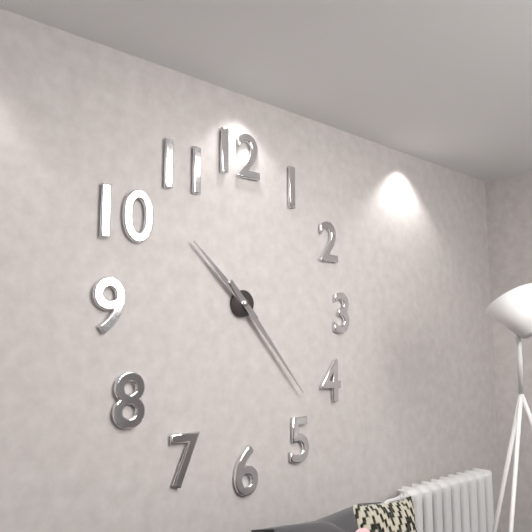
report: 10h23
